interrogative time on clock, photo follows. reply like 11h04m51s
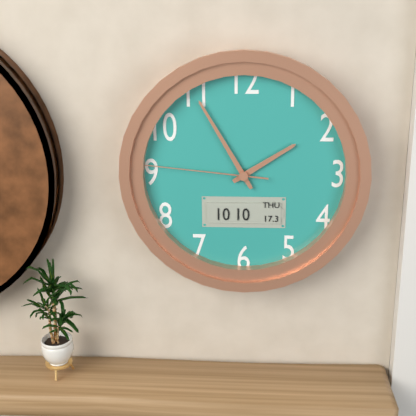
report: 1h55m46s
